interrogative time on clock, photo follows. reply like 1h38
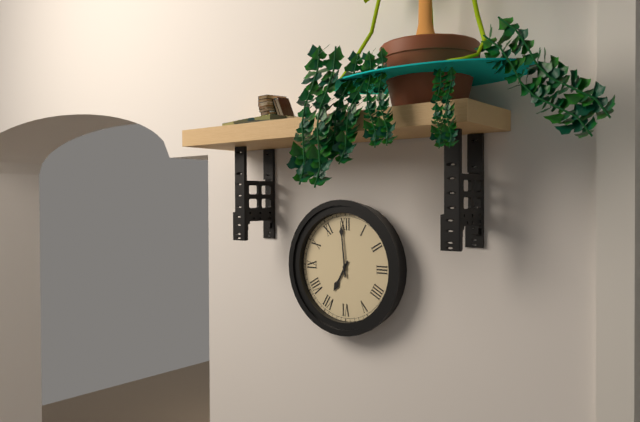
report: 6h59
